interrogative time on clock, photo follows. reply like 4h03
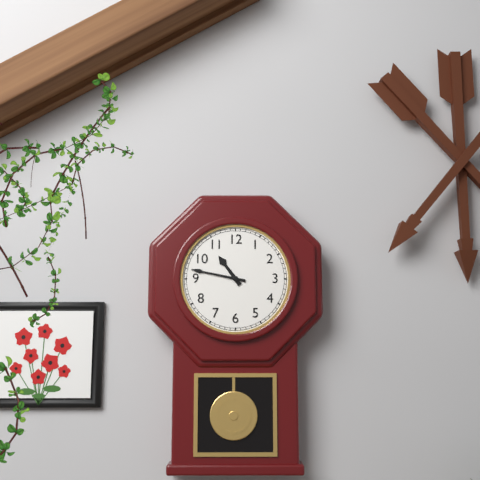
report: 10h47
